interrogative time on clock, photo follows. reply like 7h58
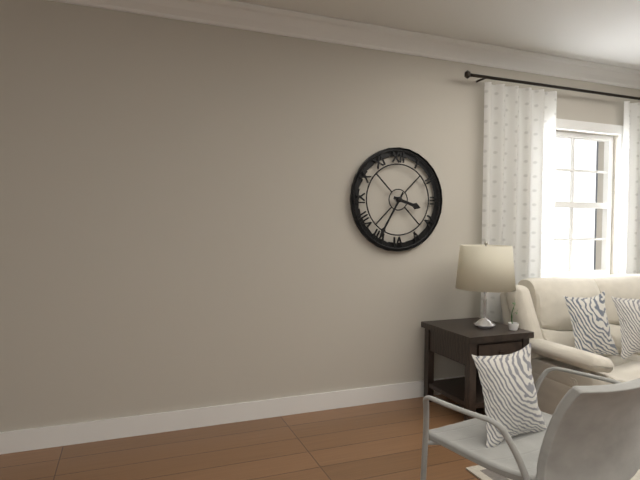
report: 3h35
